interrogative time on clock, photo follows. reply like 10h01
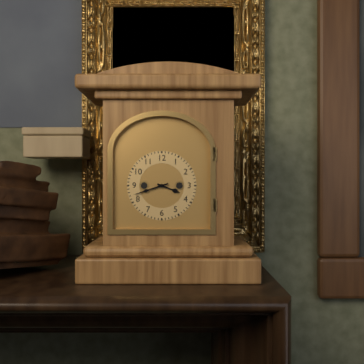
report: 3h42
